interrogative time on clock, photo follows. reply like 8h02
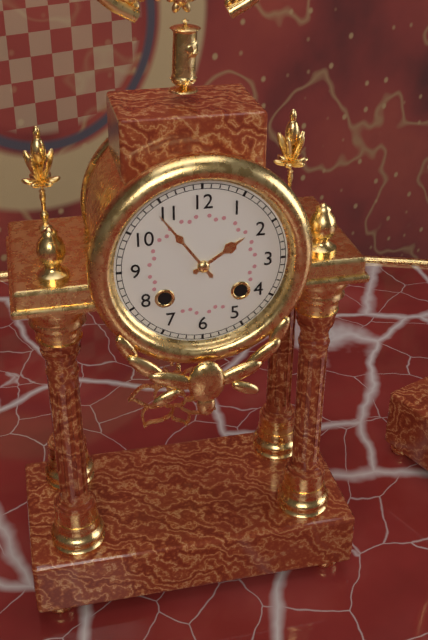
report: 1h54
